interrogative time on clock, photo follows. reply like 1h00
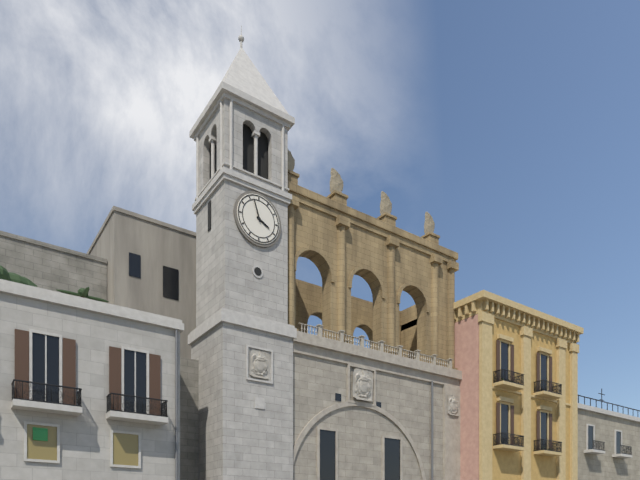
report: 3h57
